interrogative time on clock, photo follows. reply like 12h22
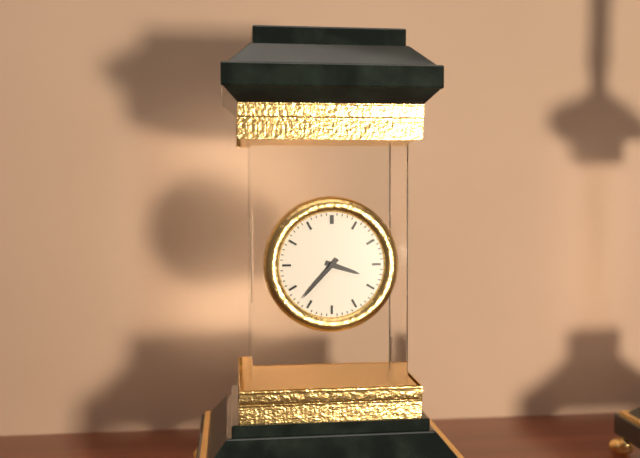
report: 3h37
